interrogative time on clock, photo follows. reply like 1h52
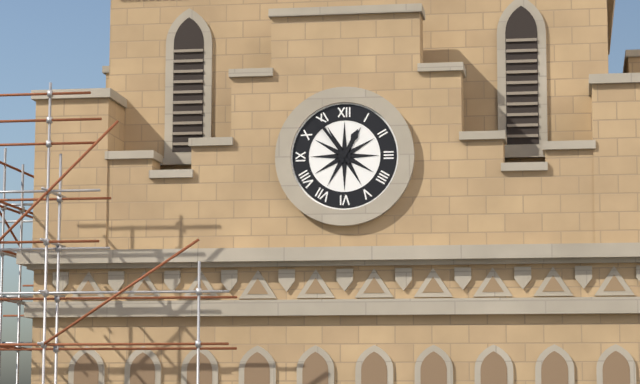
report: 12h54
